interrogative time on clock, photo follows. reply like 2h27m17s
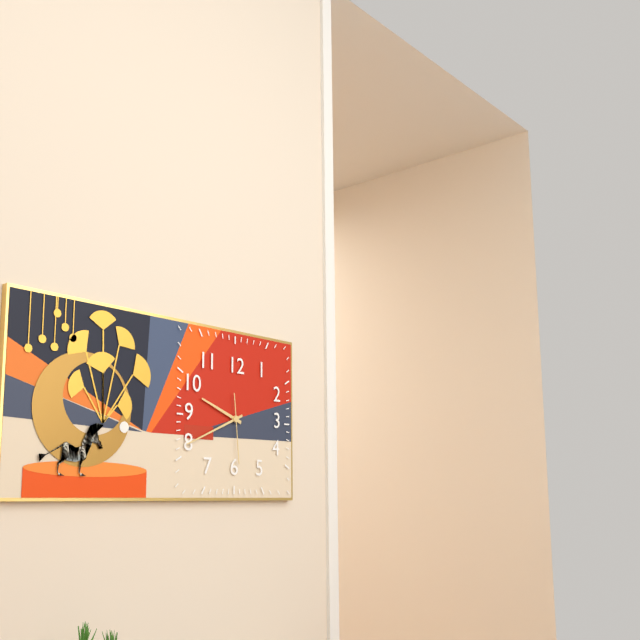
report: 9h41m29s
